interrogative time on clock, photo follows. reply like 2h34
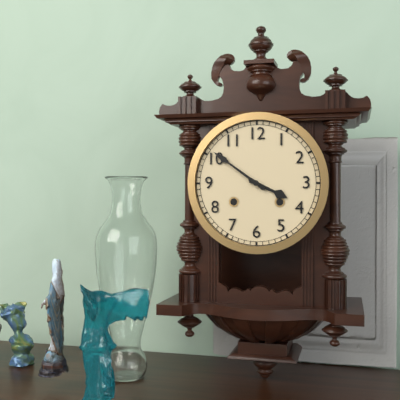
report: 3h51
